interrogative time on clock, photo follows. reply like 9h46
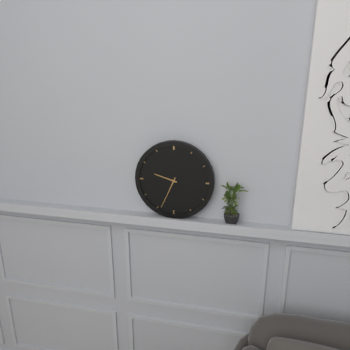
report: 9h34
